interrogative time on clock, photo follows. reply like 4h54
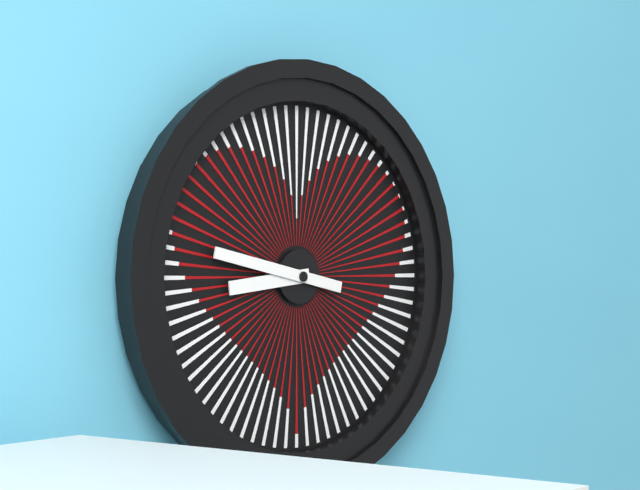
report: 8h47
